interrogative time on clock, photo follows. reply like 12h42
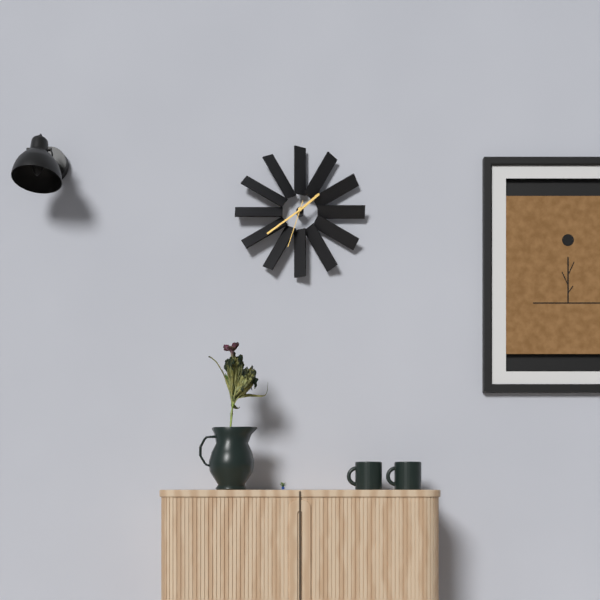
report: 1h39
